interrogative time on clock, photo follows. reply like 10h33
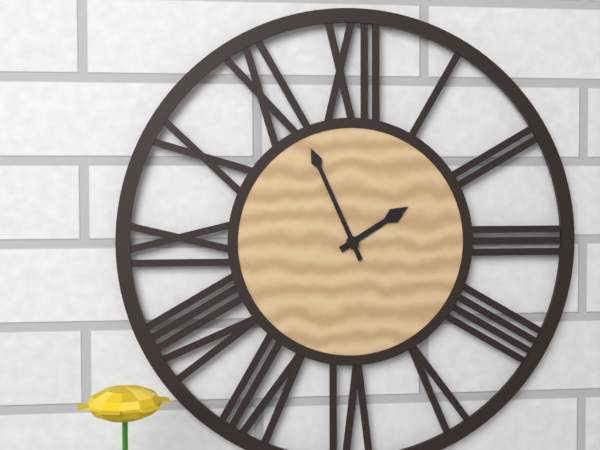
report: 1h56
